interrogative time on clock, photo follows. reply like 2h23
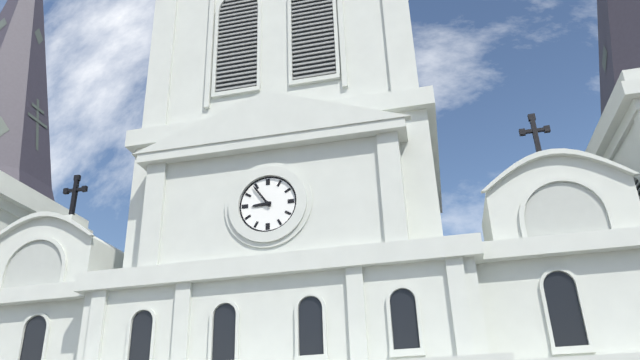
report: 8h54
